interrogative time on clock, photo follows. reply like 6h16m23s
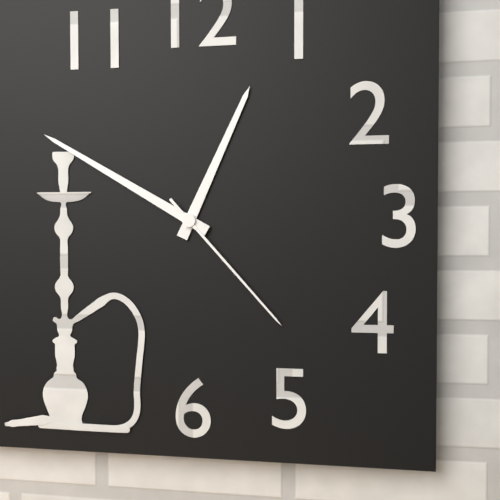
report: 12h50m23s
